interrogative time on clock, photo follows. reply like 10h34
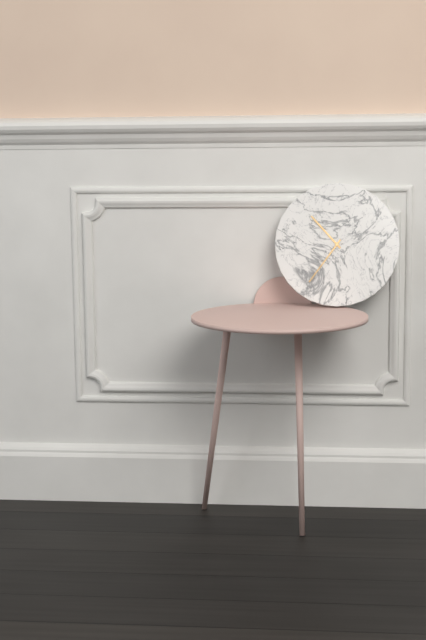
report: 10h36
